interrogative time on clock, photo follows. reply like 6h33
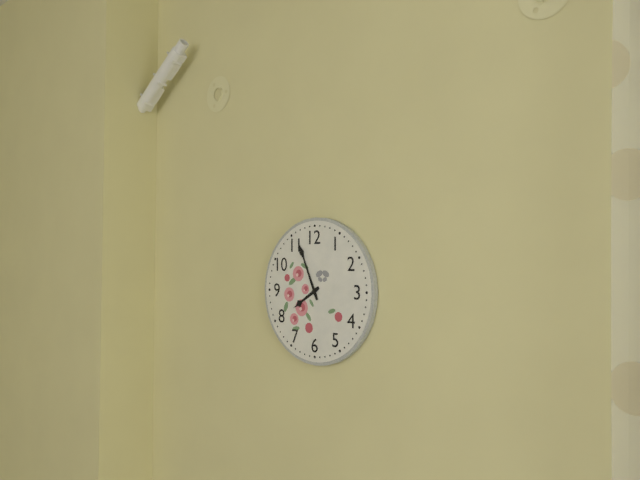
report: 7h56
